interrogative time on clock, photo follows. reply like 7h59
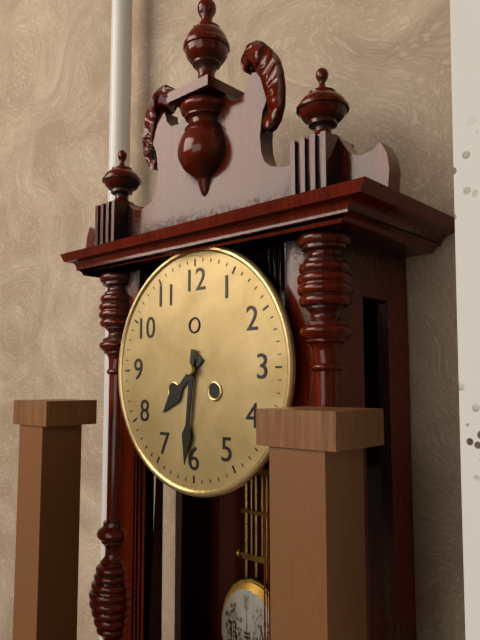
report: 7h31
